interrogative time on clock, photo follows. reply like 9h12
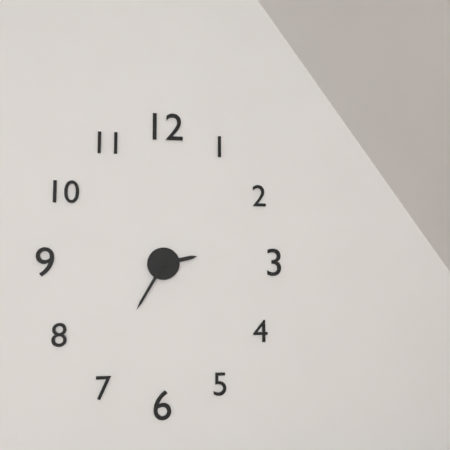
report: 2h35
